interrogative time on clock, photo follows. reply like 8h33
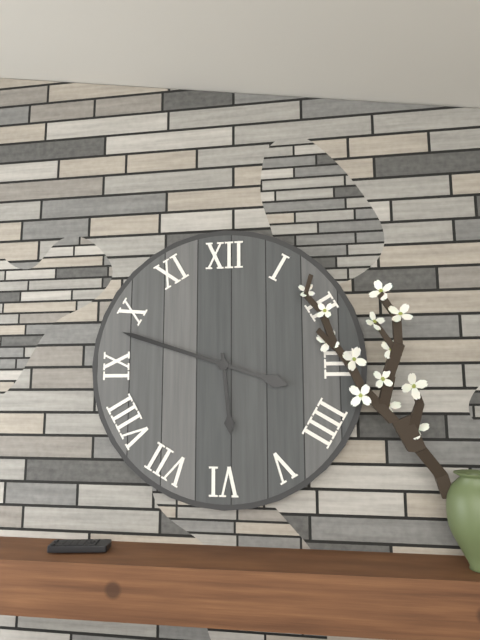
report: 5h48
